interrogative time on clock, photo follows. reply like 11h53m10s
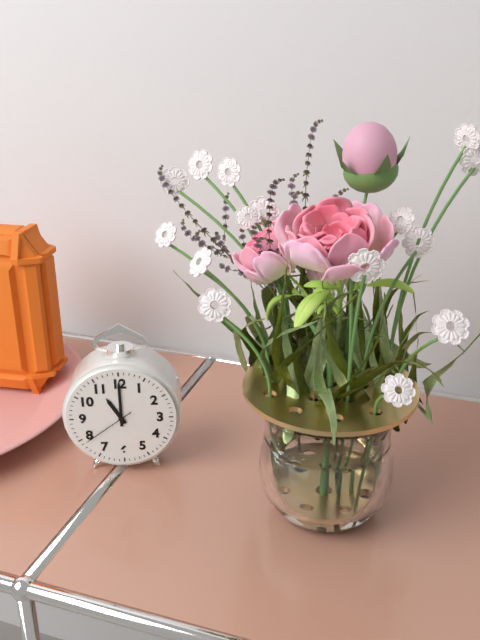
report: 11h00m39s
